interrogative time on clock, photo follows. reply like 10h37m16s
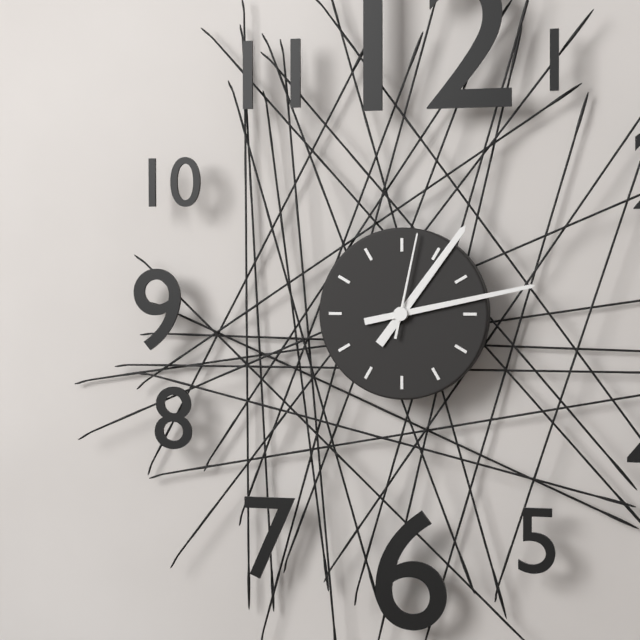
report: 1h13m02s
